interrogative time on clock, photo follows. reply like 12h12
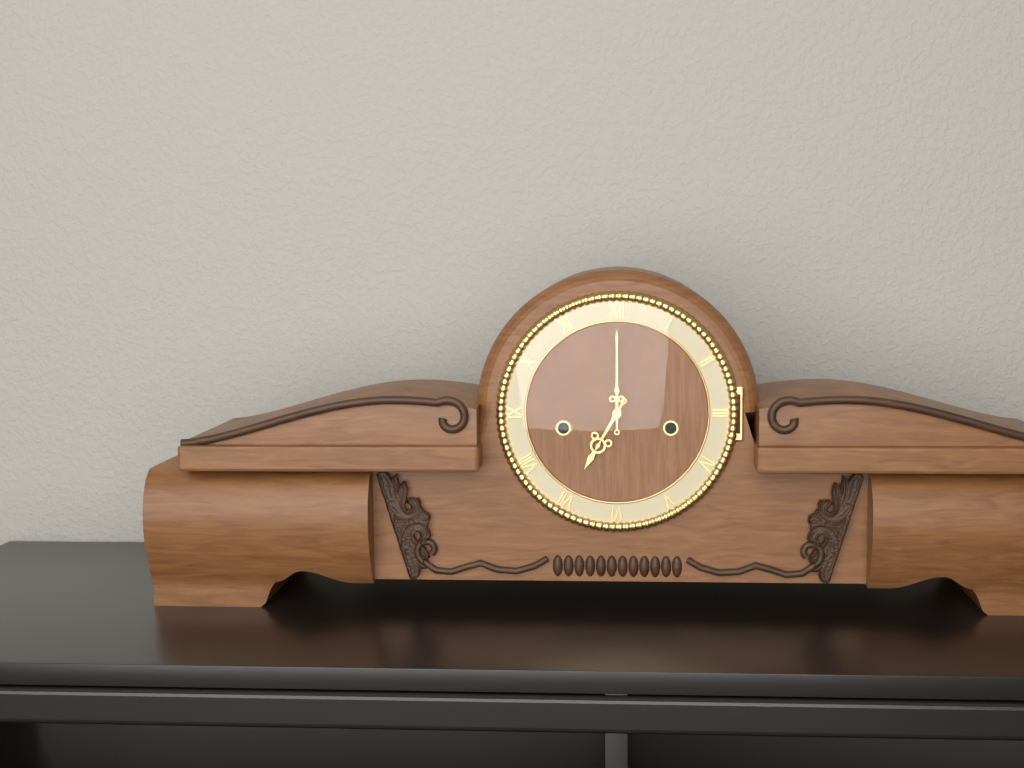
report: 7h00
